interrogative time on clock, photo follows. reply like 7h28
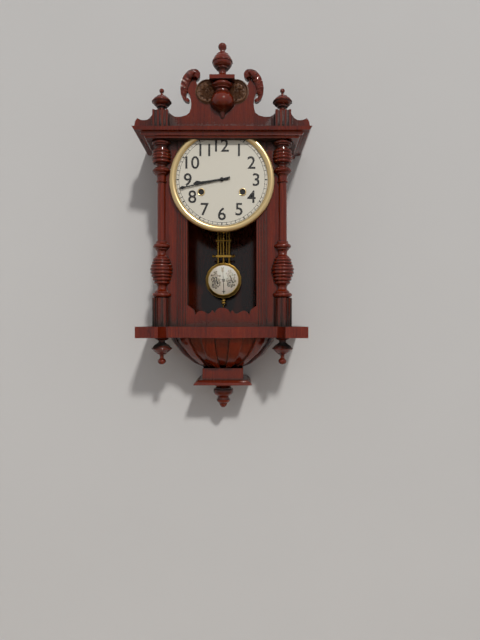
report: 8h43
